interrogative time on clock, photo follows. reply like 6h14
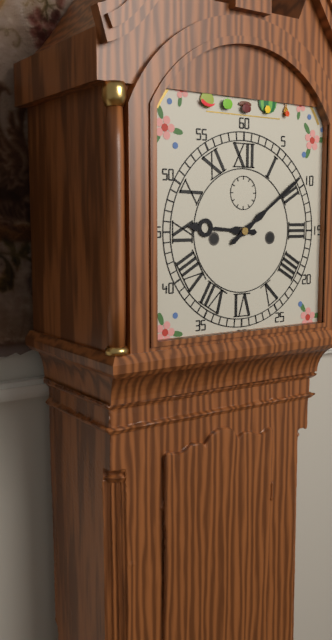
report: 9h09
